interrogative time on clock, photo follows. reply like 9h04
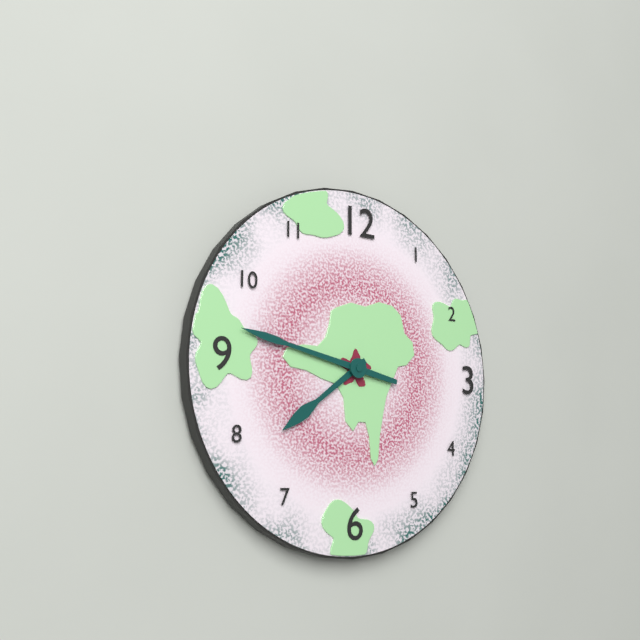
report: 7h47
